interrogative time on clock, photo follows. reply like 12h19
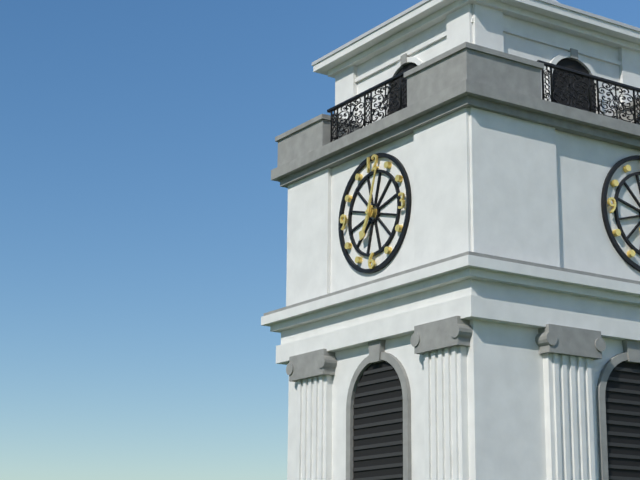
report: 7h03
